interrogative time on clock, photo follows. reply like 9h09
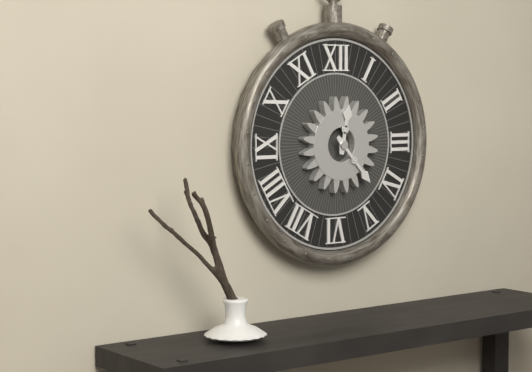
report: 12h23
